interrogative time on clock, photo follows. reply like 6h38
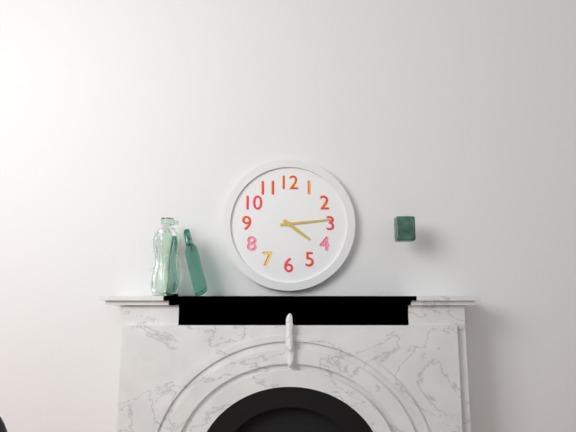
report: 4h14
